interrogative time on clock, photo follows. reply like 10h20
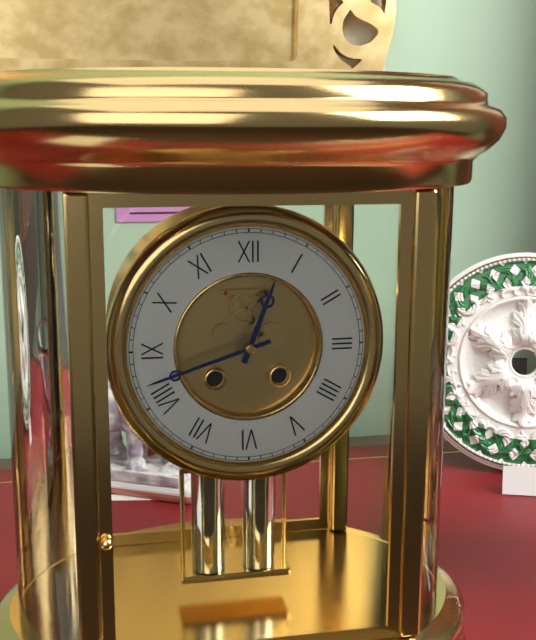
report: 12h42
